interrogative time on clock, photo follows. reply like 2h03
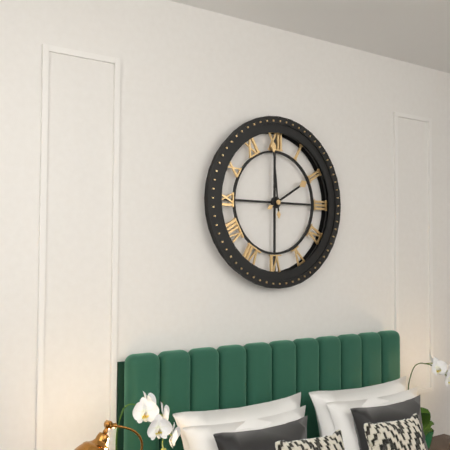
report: 1h59
